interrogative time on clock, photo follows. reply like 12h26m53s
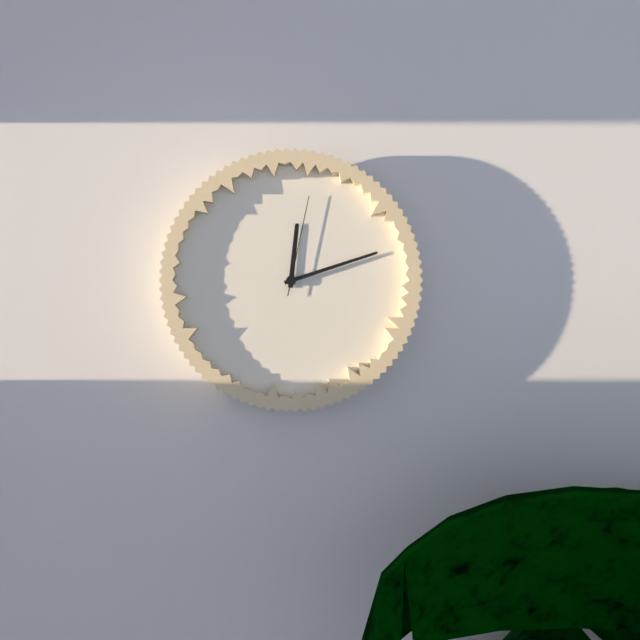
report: 12h12m02s
